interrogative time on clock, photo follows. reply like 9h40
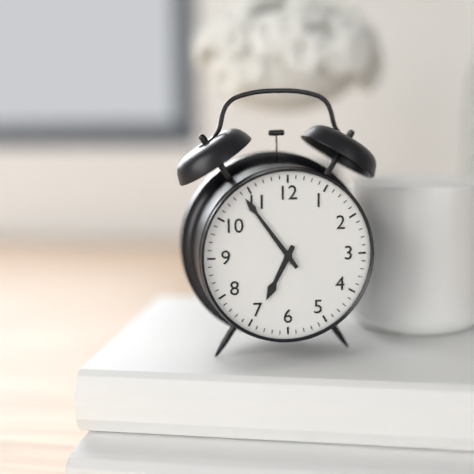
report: 6h54
